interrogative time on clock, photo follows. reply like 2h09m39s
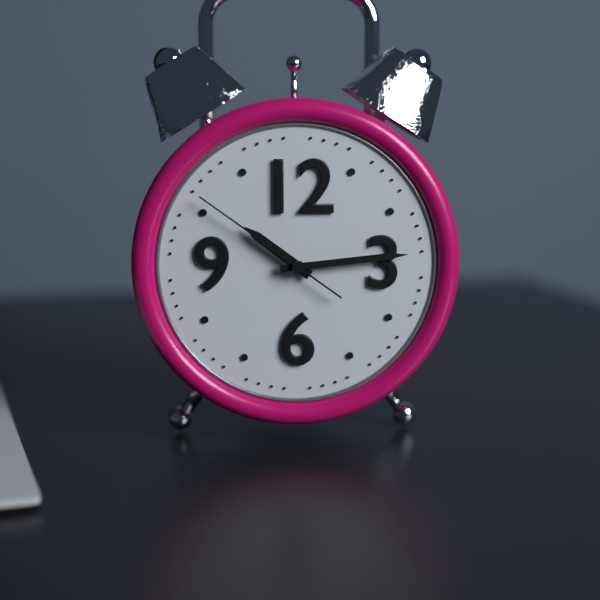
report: 10h14m51s
